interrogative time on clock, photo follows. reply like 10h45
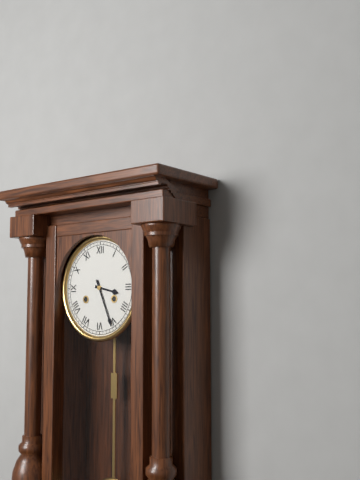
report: 3h26
